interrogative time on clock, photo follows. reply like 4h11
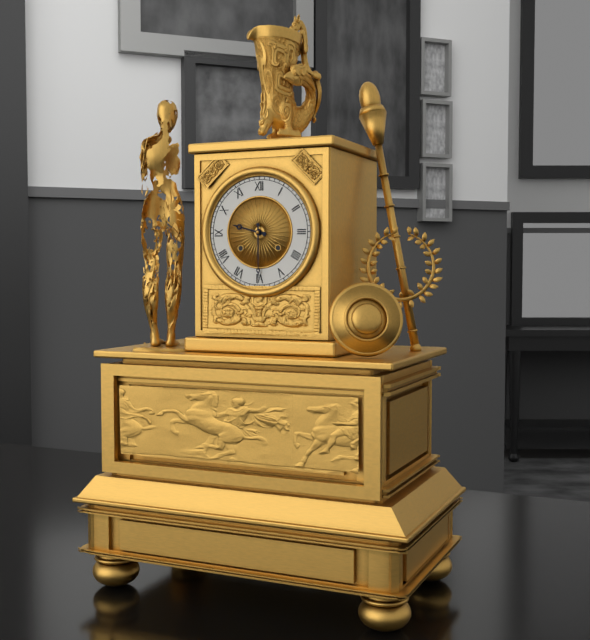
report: 9h30
